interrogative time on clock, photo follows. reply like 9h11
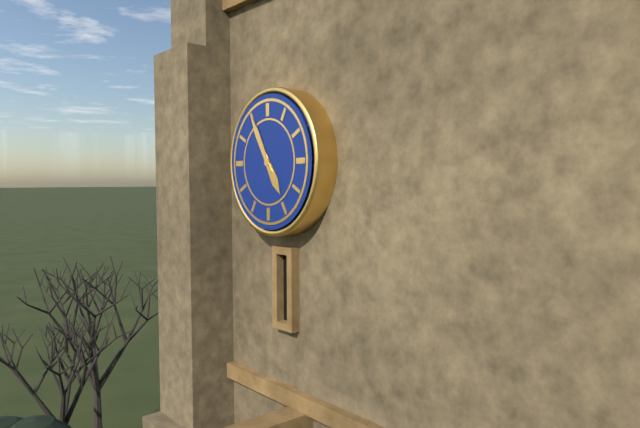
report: 4h55
